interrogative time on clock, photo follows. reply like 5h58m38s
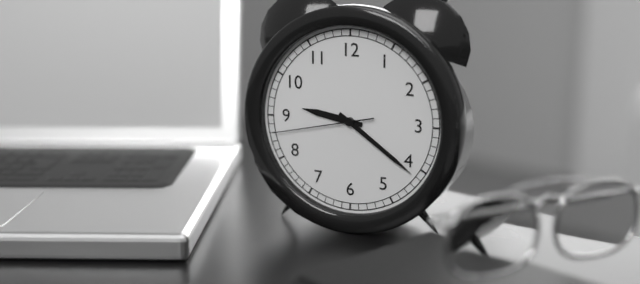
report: 9h21m43s
